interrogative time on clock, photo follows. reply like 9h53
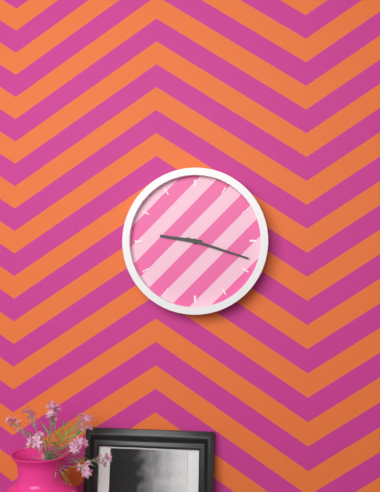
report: 9h18
